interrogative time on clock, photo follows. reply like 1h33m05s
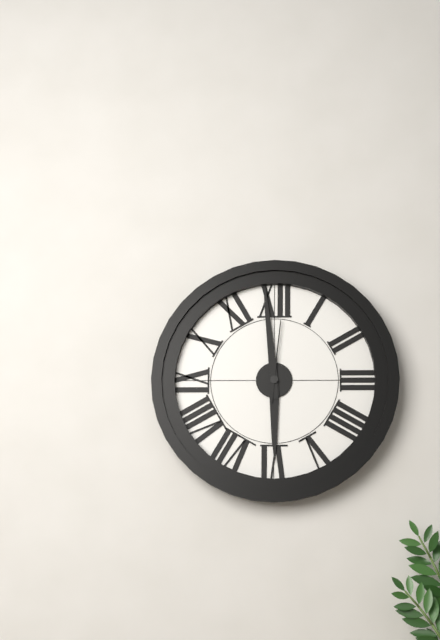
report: 5h59m01s
